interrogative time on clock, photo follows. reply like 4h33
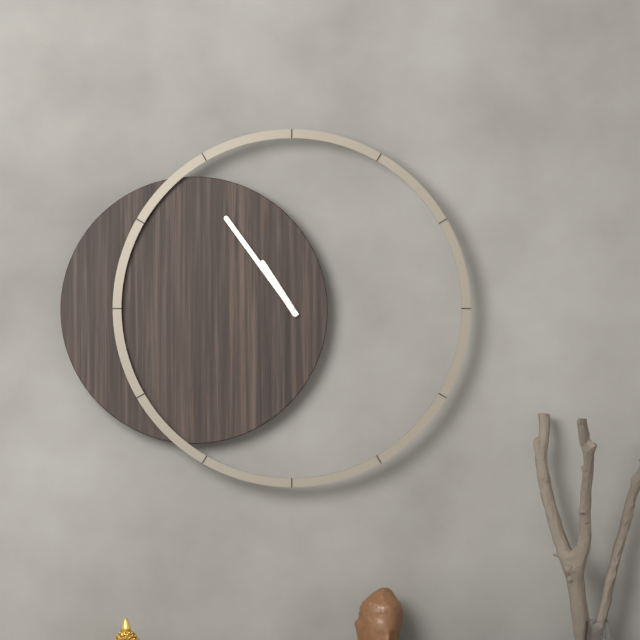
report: 10h54
